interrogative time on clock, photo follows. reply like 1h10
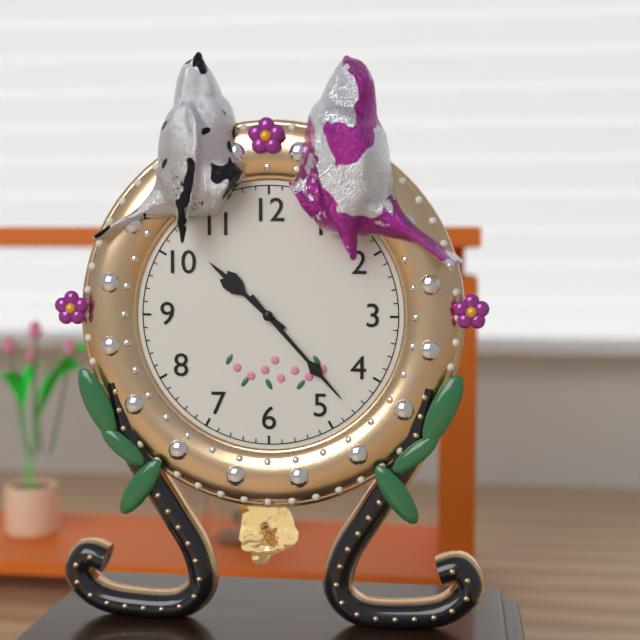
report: 10h23
